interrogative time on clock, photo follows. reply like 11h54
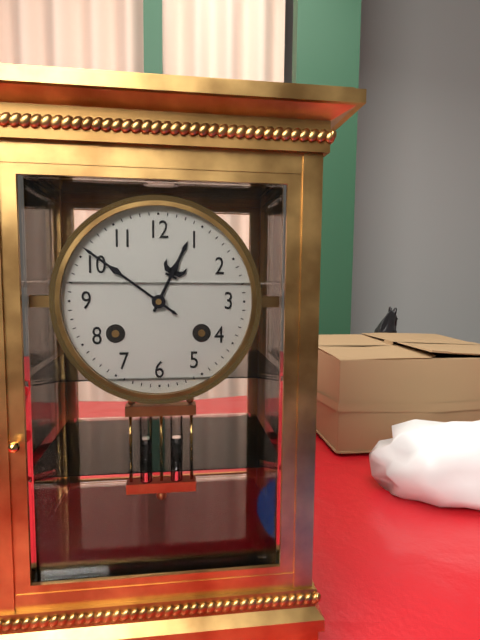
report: 12h51
